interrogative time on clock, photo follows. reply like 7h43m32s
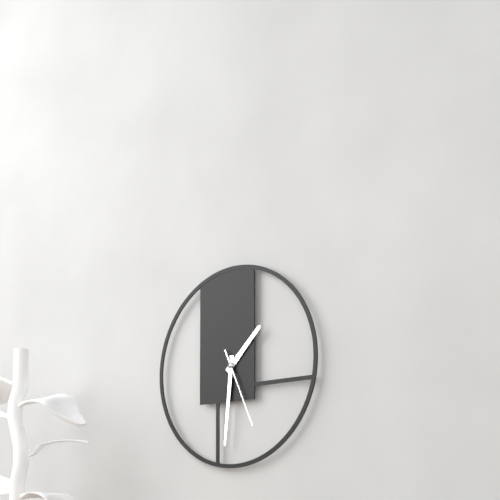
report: 1h31m26s
